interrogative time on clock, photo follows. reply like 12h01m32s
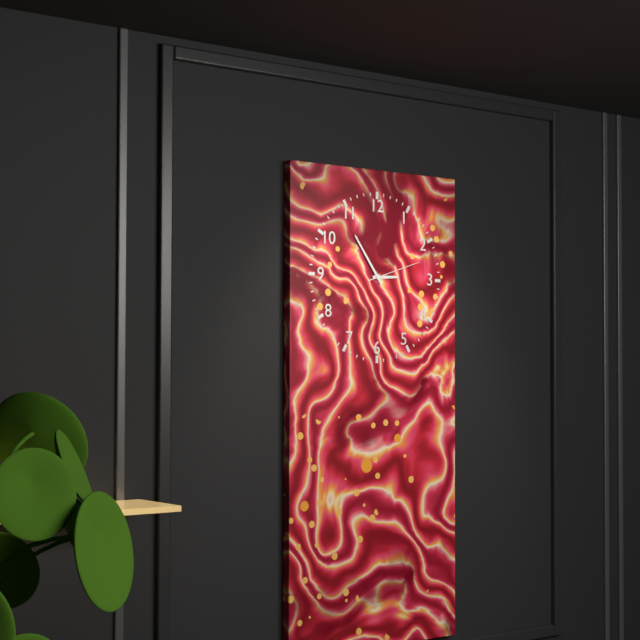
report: 2h54m12s
